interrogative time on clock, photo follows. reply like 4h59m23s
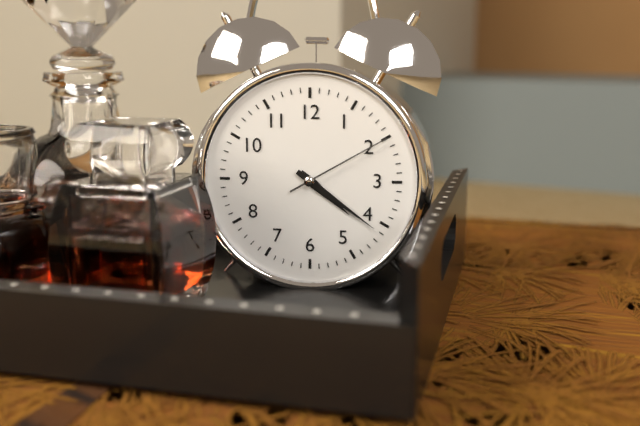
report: 4h21m10s
